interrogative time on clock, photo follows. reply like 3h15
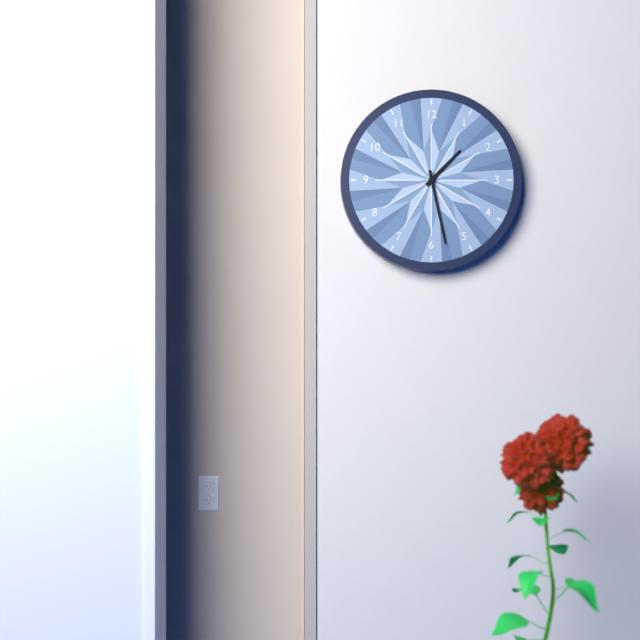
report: 1h28
